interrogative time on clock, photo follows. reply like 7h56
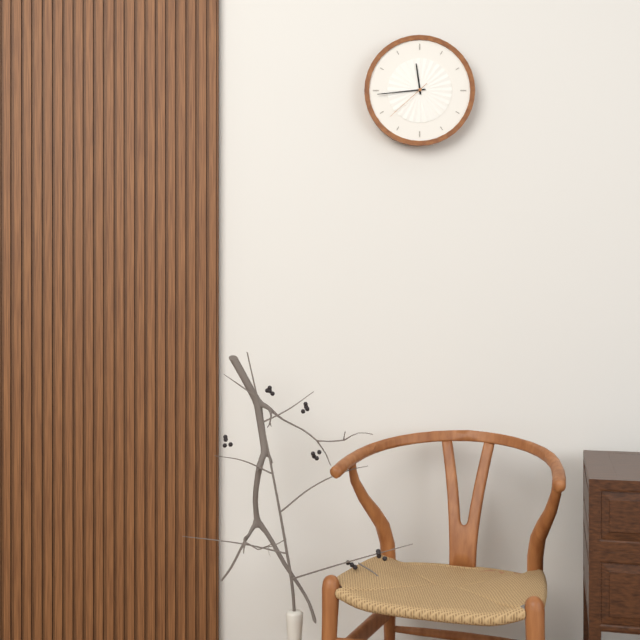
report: 11h44
